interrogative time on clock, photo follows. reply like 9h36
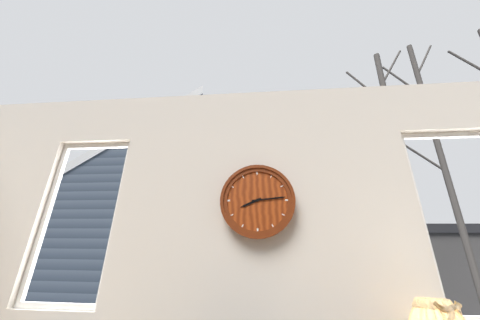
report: 8h14
